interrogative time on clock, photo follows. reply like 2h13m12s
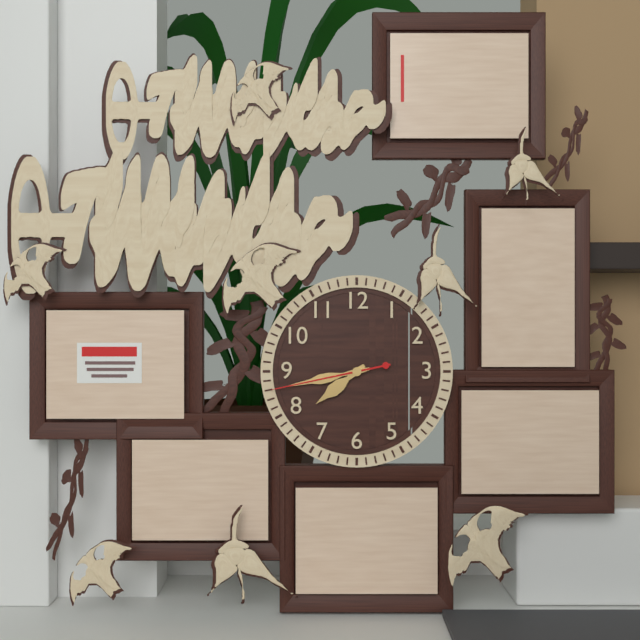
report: 7h43m43s
